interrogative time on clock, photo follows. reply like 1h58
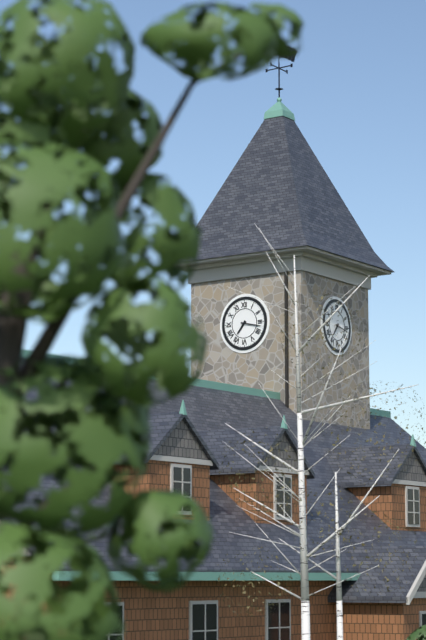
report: 7h17
